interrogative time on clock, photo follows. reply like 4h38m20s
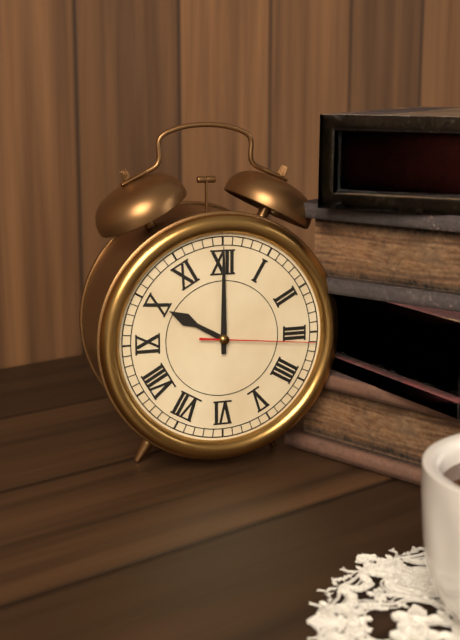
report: 10h00m16s
